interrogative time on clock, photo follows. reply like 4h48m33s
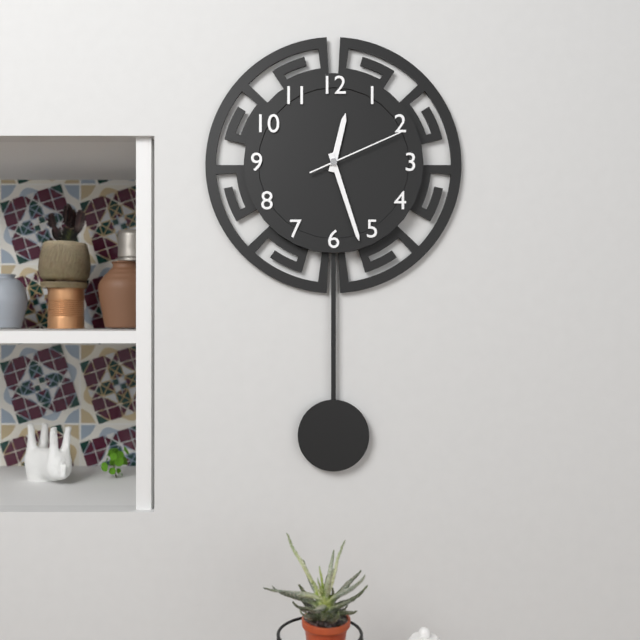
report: 12h27m11s
